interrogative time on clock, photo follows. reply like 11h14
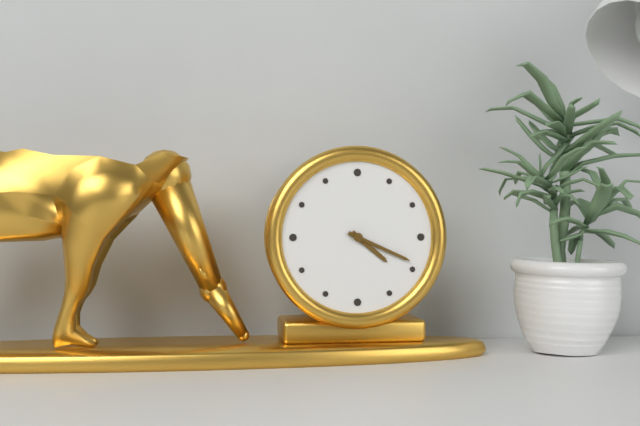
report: 4h19
